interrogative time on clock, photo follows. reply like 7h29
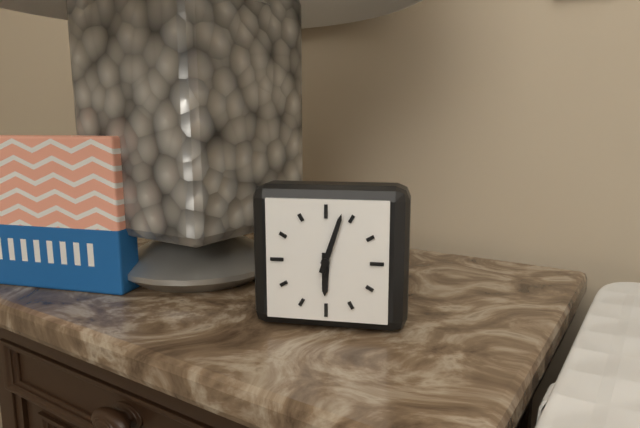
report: 6h03
